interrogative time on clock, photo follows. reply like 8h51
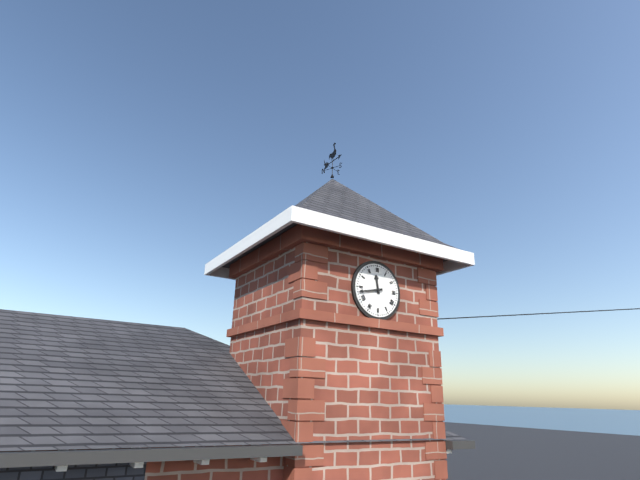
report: 11h43
